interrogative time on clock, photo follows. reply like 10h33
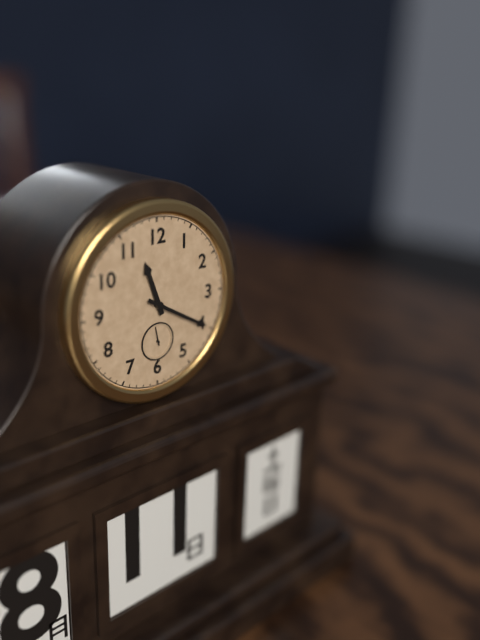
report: 11h20
